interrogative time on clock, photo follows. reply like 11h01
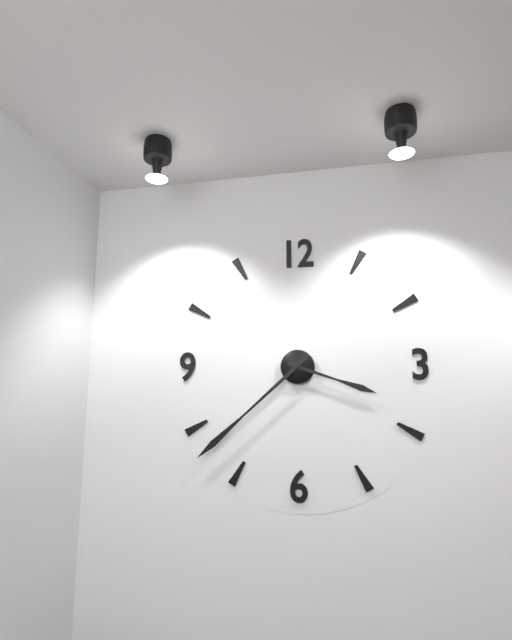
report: 3h38
